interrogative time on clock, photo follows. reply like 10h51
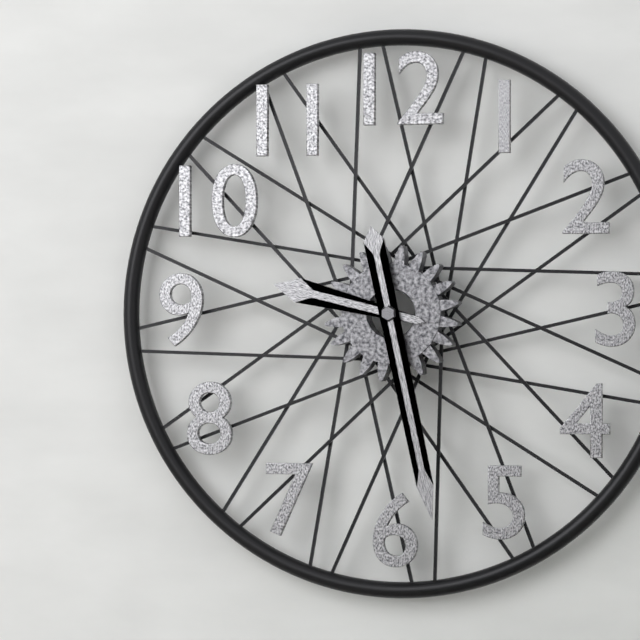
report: 9h28
